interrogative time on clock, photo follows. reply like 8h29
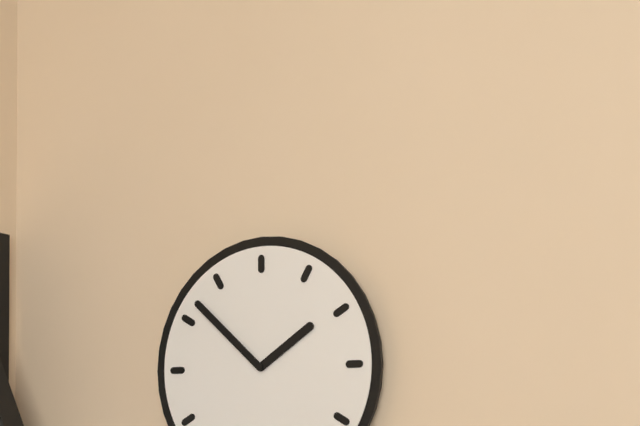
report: 1h52
